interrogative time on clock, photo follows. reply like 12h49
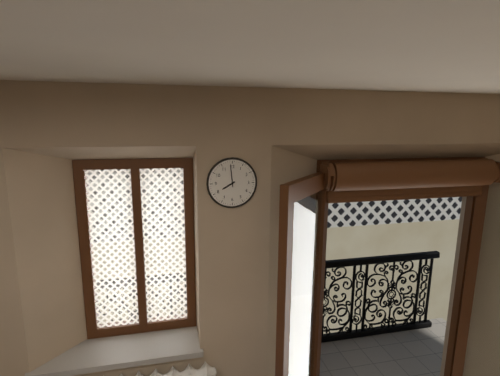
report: 7h59
